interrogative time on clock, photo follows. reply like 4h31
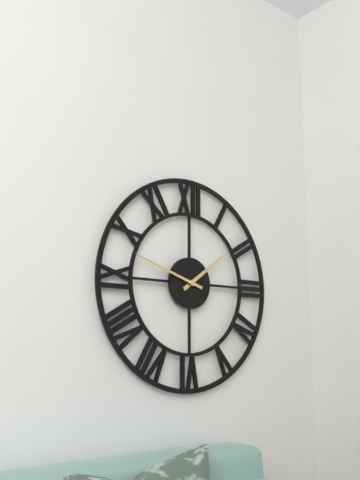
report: 1h48
